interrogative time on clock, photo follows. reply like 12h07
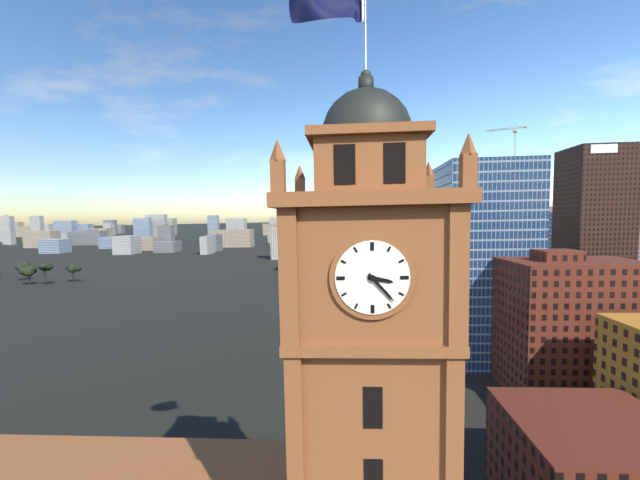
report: 3h23
